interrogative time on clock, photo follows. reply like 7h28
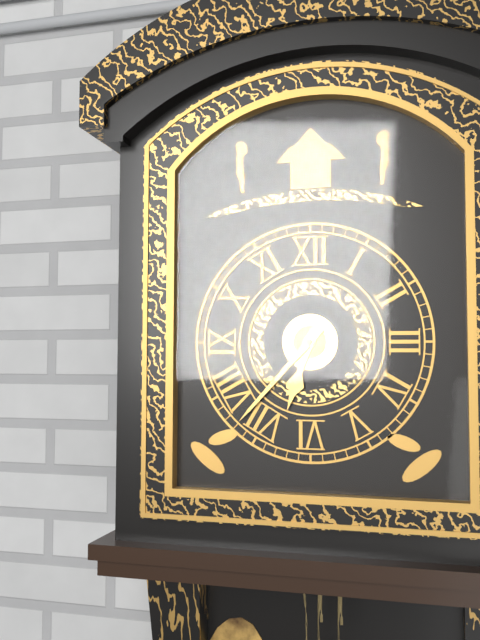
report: 6h37
